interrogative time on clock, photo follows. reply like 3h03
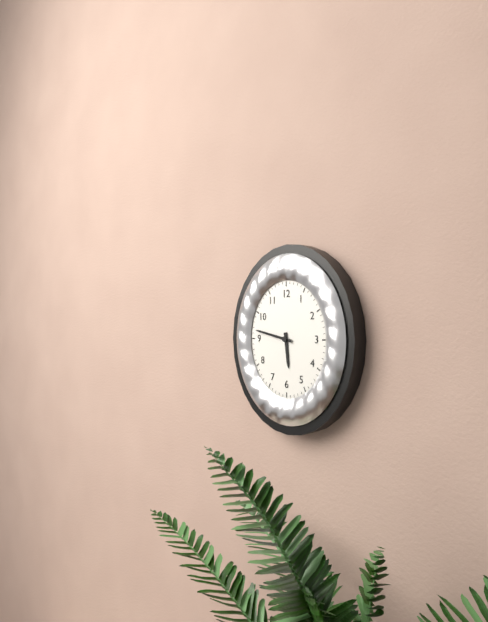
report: 5h47
